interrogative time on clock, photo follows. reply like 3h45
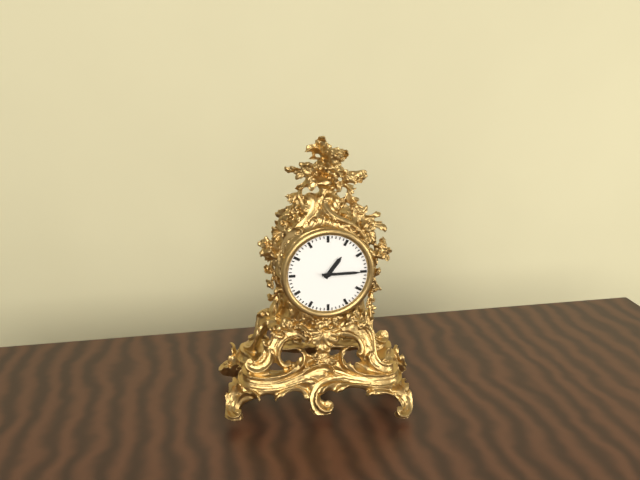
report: 1h15
